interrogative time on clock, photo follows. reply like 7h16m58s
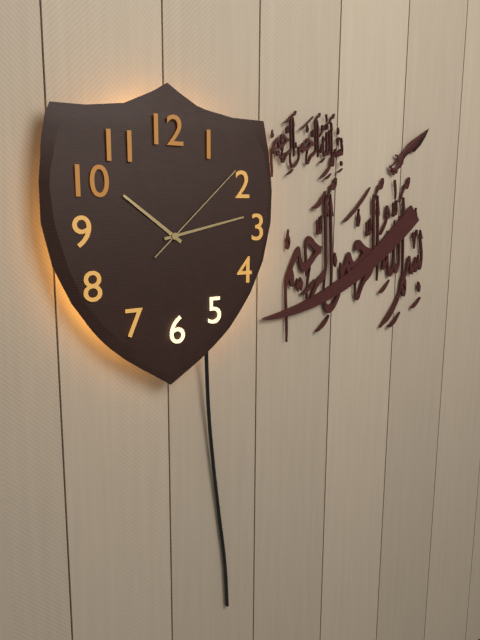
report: 10h13m08s
